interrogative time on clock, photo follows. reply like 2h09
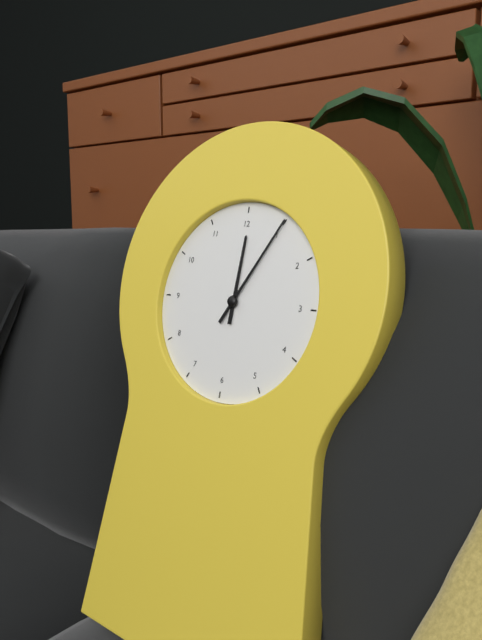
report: 12h05
